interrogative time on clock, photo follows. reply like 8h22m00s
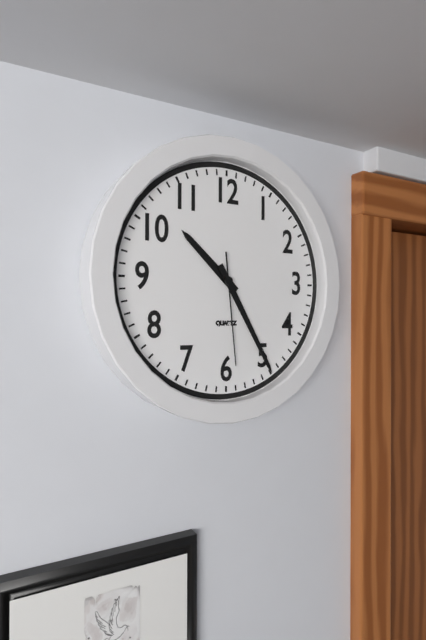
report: 10h25m29s
